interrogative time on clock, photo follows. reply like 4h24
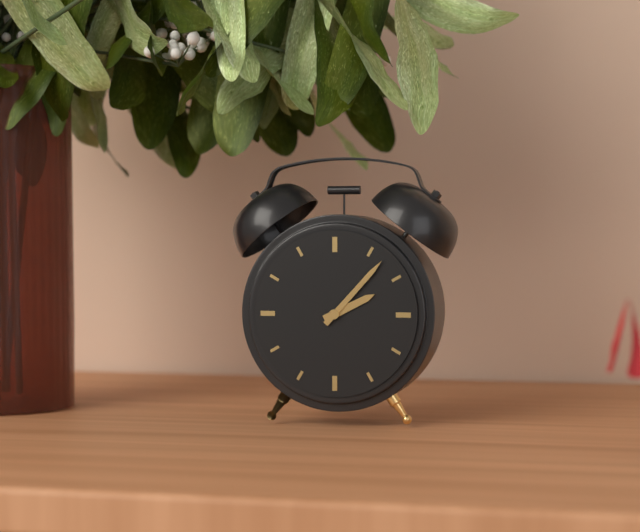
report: 2h07
